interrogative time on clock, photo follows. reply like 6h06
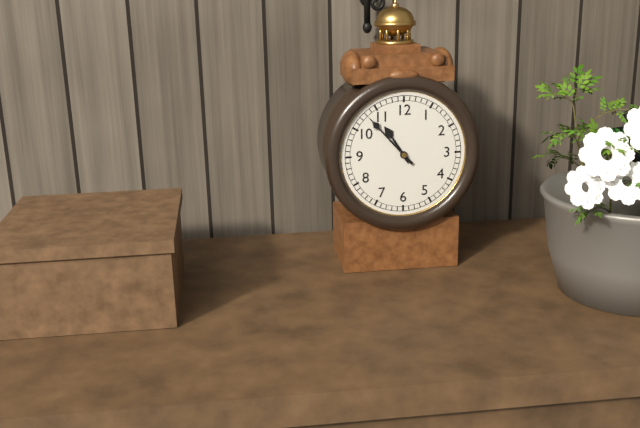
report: 10h53
